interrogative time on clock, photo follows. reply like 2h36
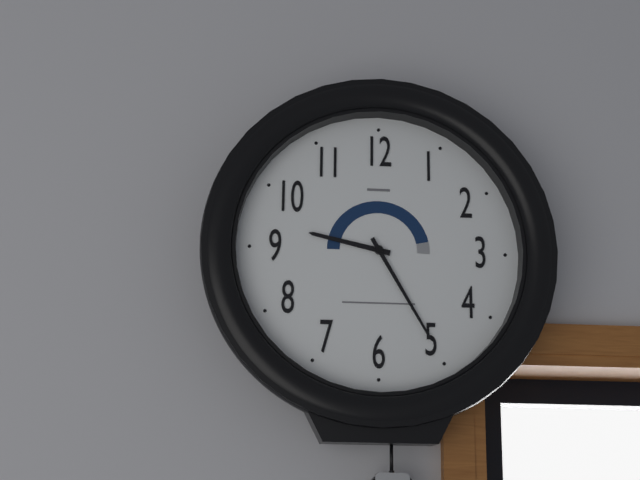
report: 9h25
